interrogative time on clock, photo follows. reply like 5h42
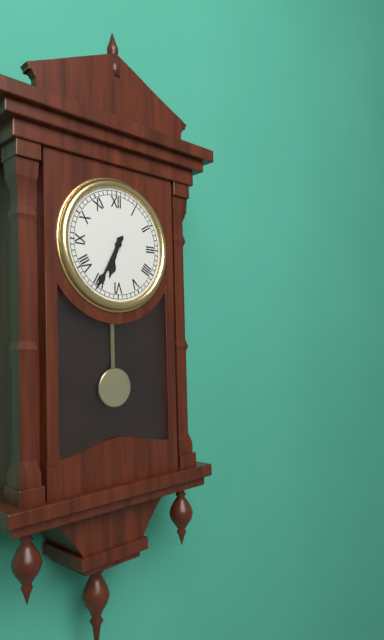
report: 6h35
